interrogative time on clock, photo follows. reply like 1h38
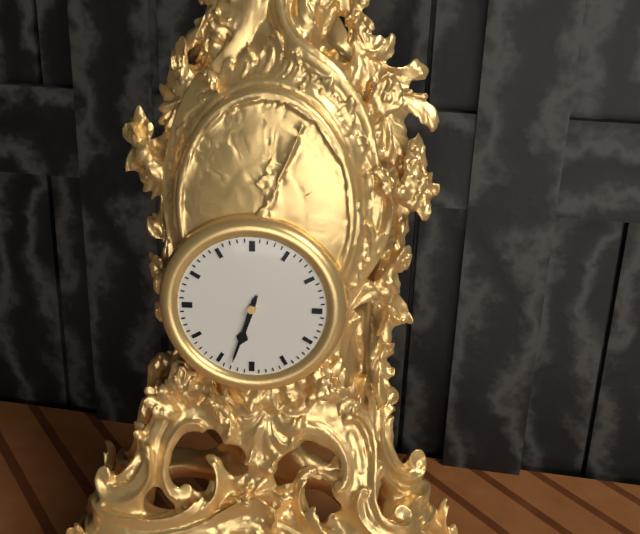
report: 6h33
